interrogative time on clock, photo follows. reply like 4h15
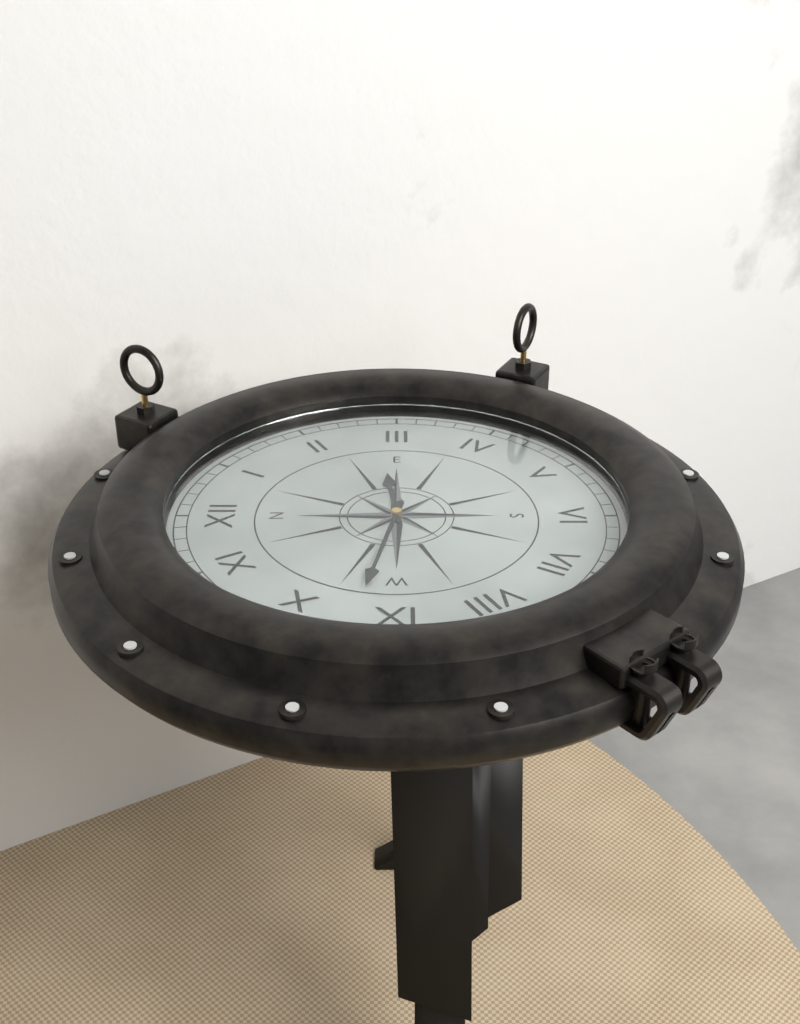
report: 2h47
